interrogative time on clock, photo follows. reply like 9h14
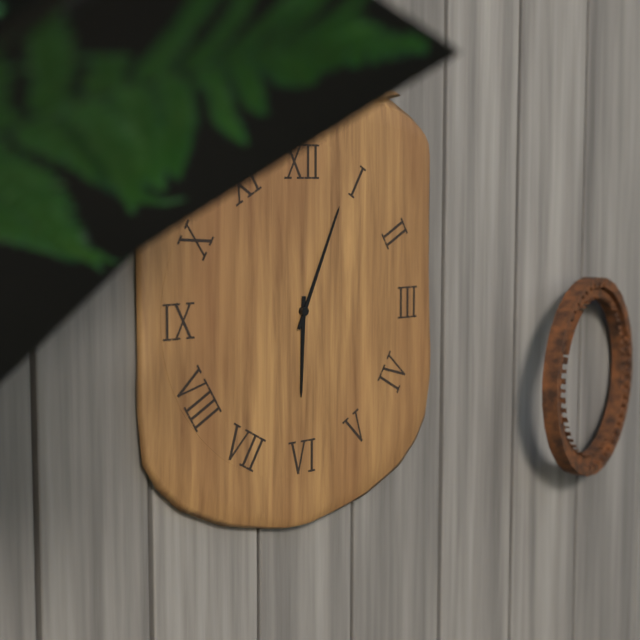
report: 6h04
